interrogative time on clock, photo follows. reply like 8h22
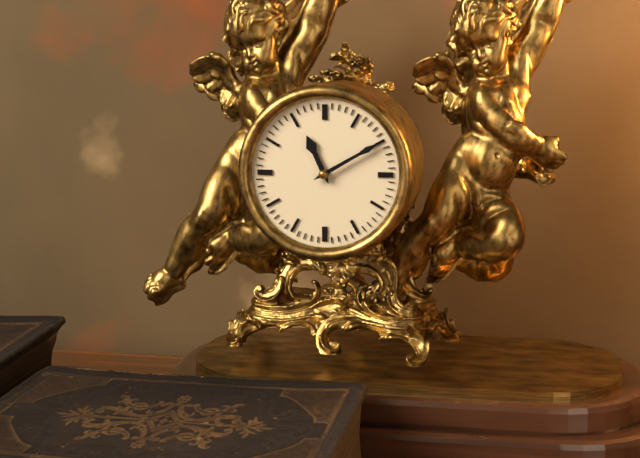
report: 11h10
